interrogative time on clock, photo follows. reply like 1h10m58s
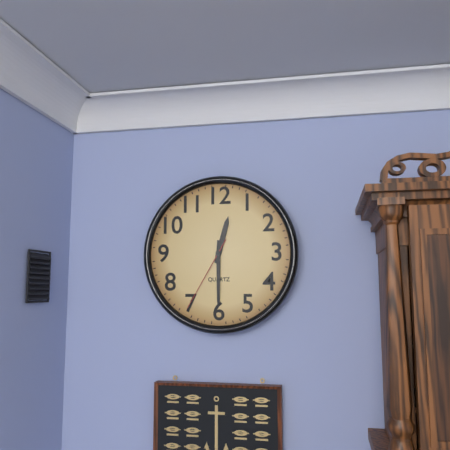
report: 12h30m35s
